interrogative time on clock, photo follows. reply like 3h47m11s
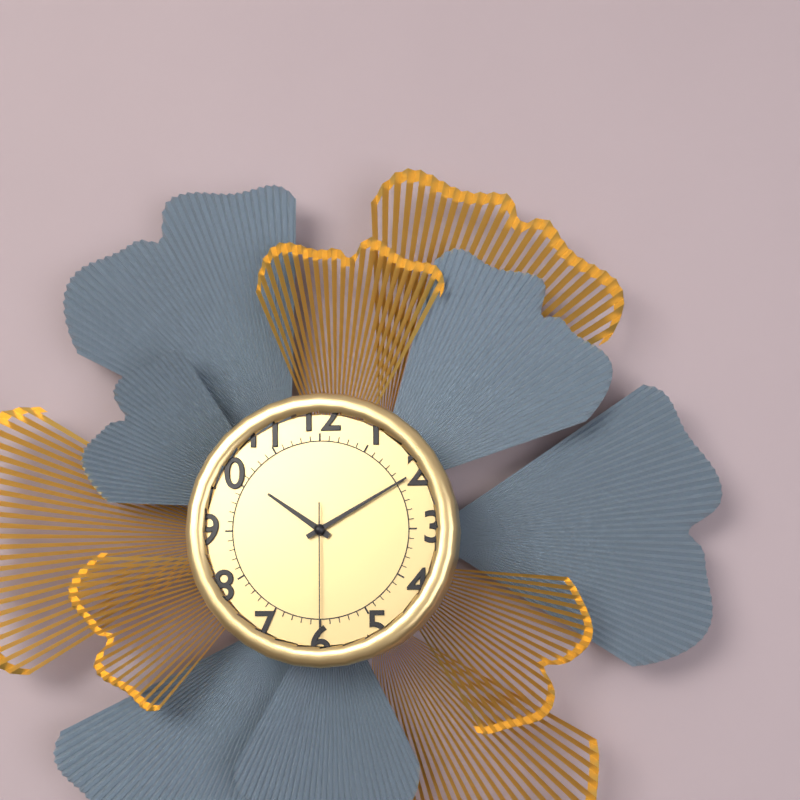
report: 10h10m30s
